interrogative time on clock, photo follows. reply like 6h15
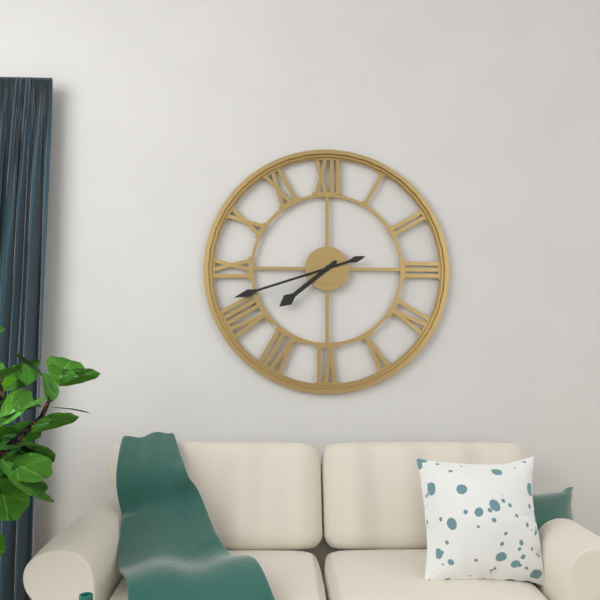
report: 7h42
